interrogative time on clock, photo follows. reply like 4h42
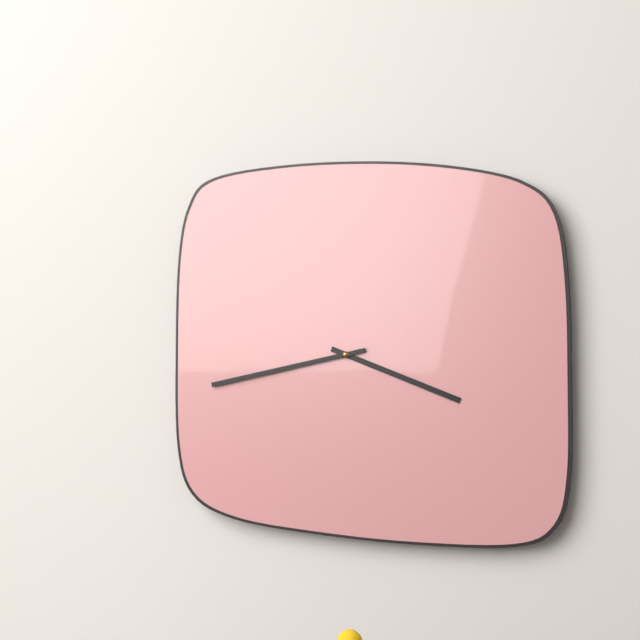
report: 3h43
